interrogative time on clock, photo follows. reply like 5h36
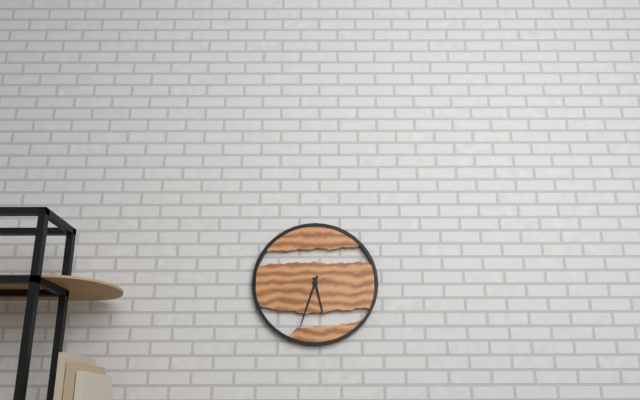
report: 5h33
